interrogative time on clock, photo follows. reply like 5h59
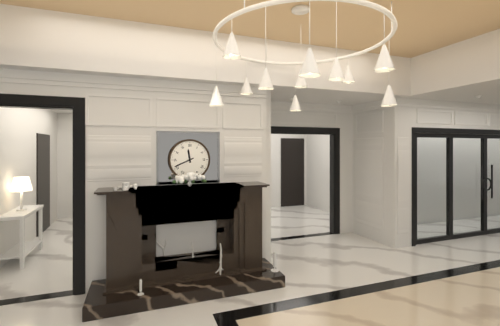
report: 11h41
